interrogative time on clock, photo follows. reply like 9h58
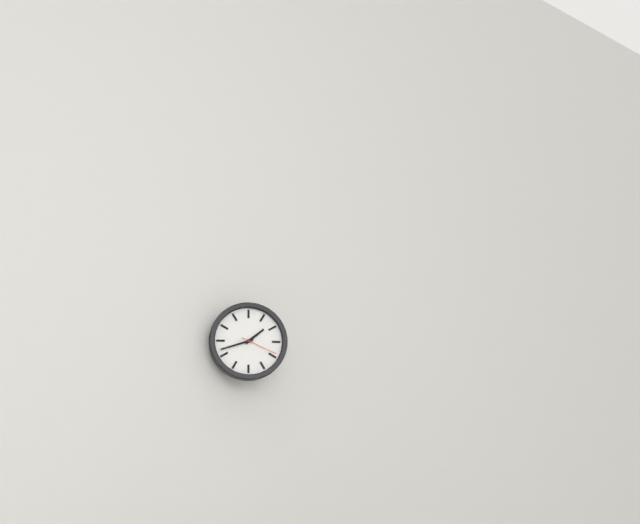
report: 1h42
